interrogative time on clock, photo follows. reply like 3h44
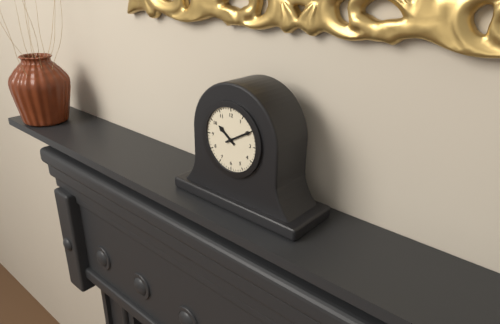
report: 10h10
